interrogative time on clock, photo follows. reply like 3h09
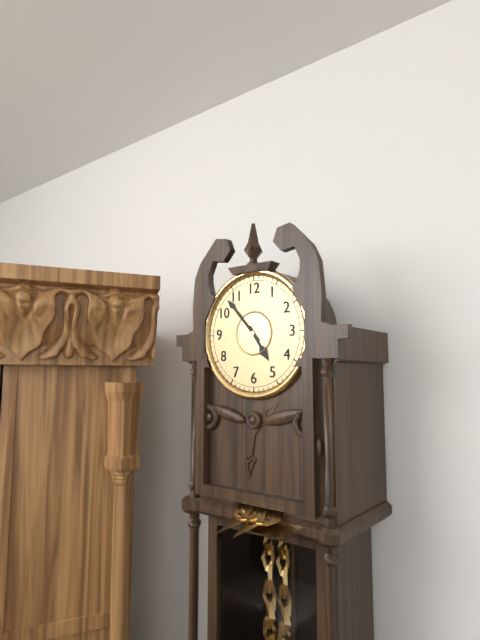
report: 4h53
